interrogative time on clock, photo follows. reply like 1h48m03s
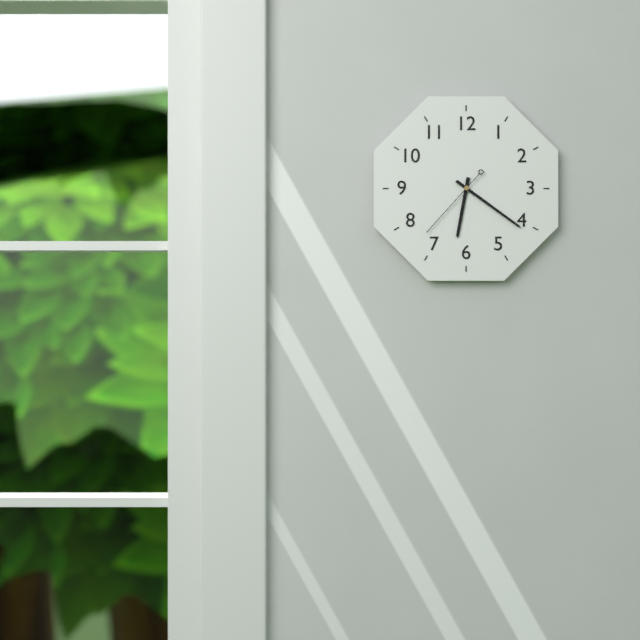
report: 6h21m37s
